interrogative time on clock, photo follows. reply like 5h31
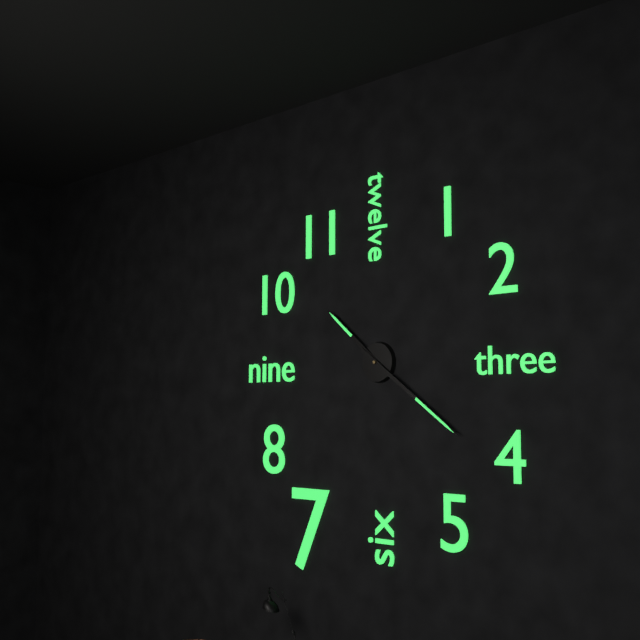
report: 10h21
